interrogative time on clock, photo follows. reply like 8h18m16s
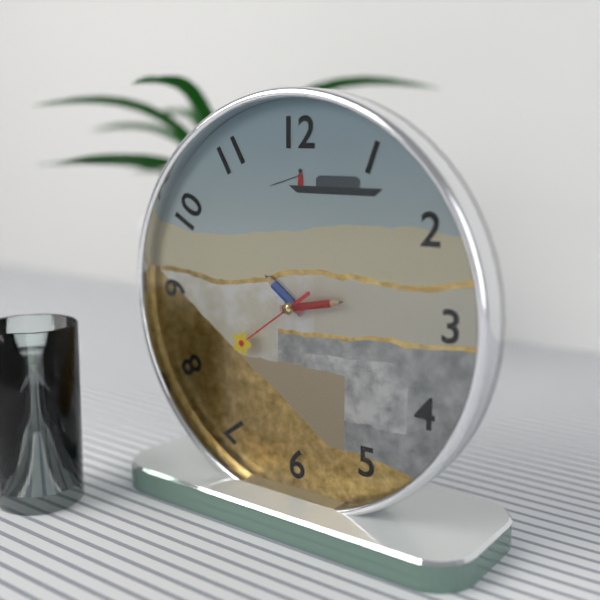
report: 10h13m39s
